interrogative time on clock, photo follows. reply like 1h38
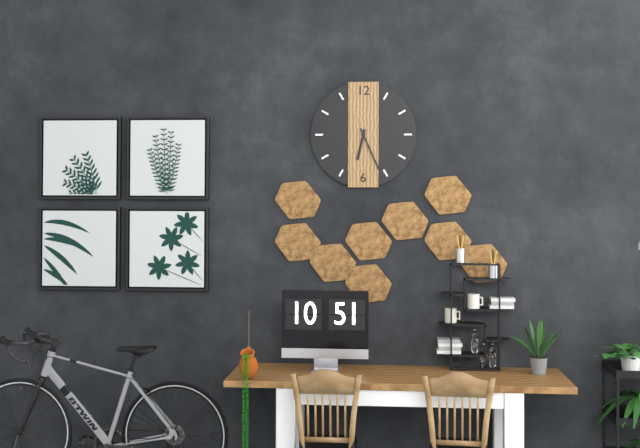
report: 6h26
